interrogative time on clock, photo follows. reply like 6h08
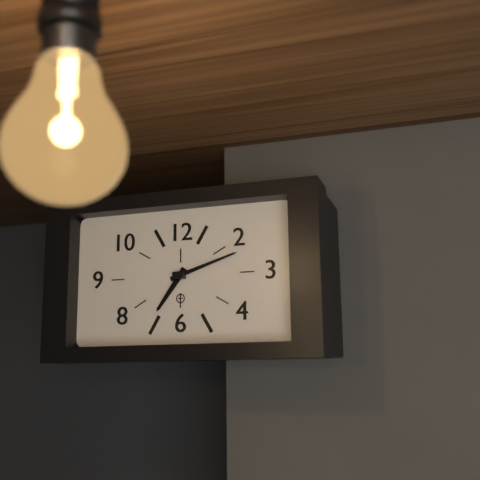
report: 7h12
